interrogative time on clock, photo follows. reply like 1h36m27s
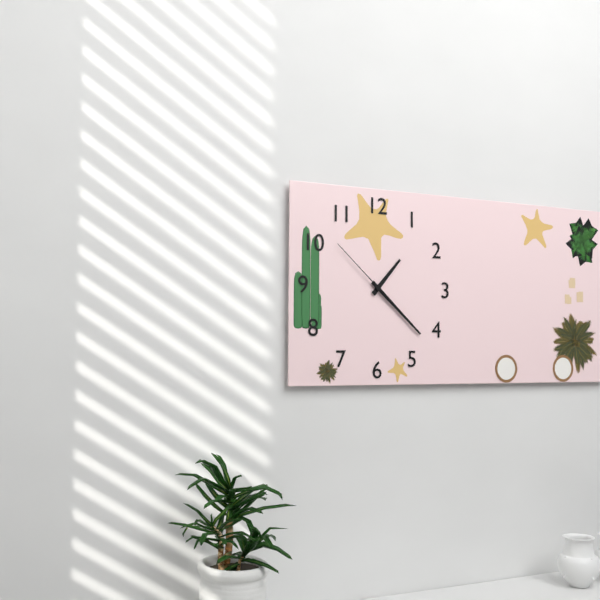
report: 1h22m52s
